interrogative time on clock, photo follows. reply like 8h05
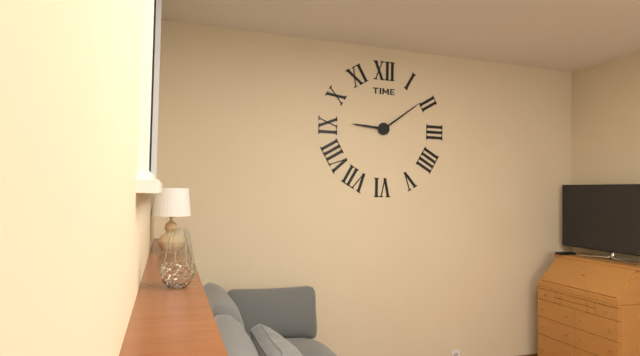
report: 9h09
